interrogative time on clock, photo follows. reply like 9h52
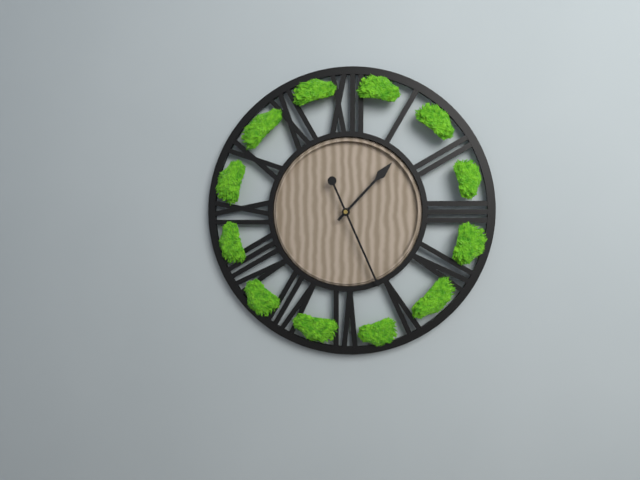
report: 1h26
